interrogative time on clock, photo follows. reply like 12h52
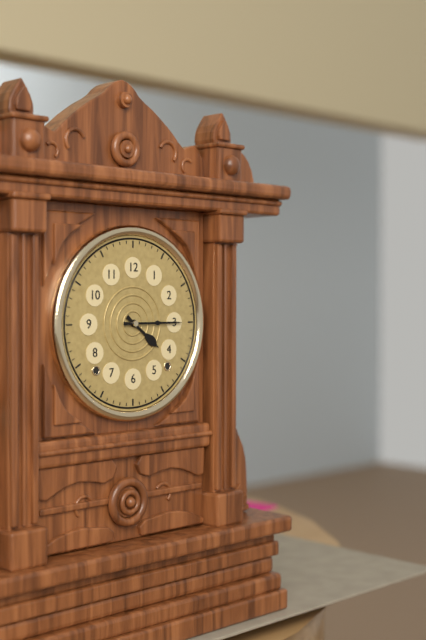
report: 4h15
